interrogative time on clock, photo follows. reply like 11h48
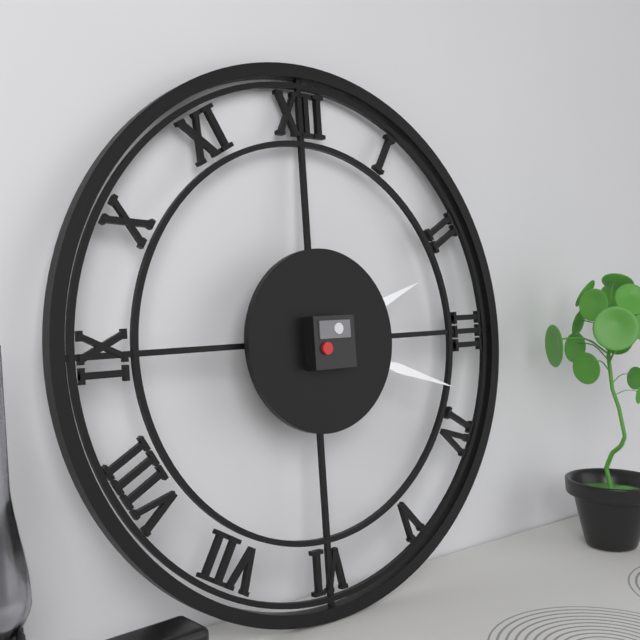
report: 2h18
